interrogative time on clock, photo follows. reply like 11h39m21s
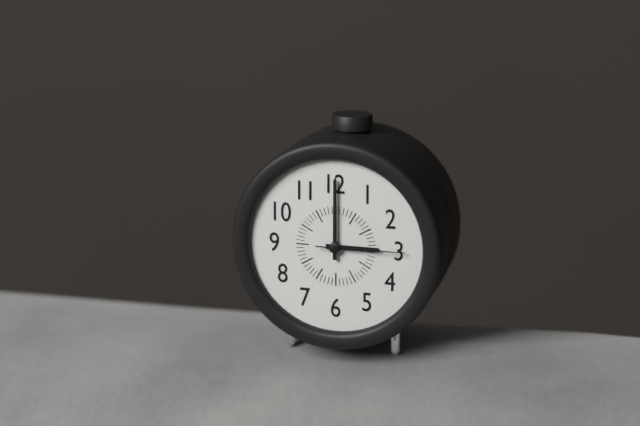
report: 3h00m15s
